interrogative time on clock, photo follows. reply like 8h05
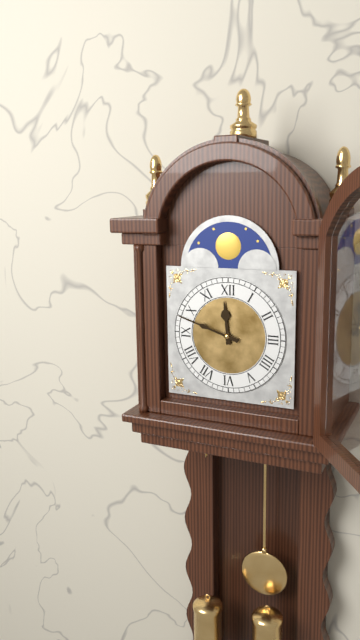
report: 11h48
